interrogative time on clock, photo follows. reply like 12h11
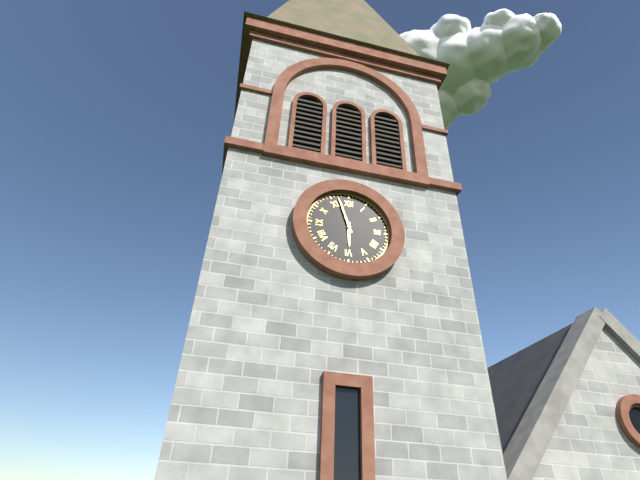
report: 5h57
